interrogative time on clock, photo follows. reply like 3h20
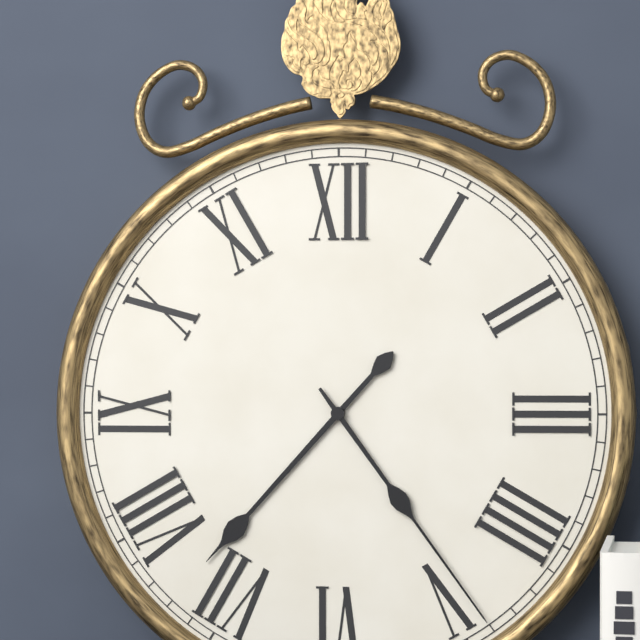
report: 7h24
